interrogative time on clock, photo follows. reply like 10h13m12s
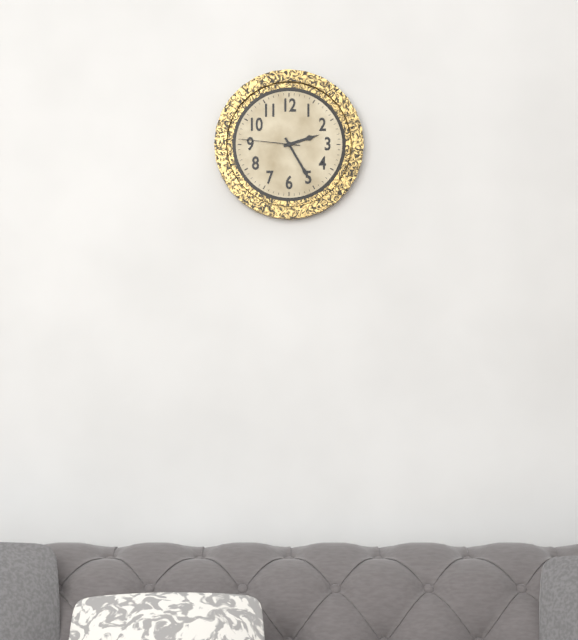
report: 2h25m46s
